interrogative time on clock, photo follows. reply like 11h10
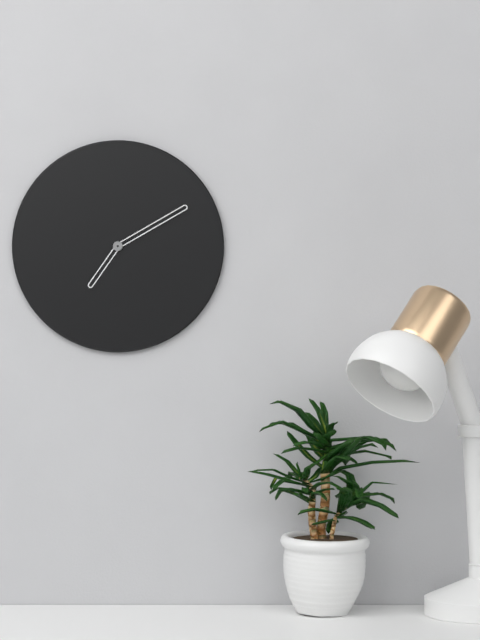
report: 7h10
